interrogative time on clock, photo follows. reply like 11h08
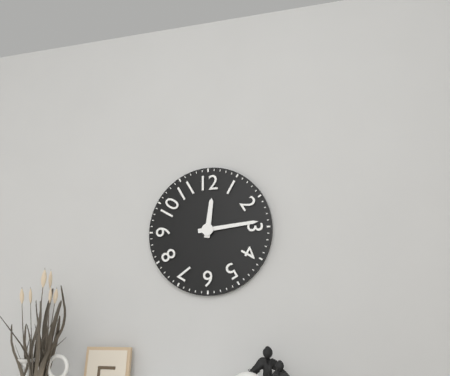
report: 12h14
